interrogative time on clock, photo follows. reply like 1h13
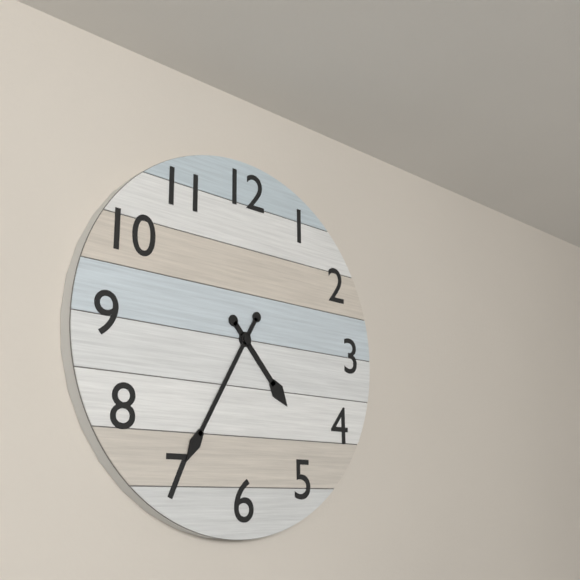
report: 4h35
